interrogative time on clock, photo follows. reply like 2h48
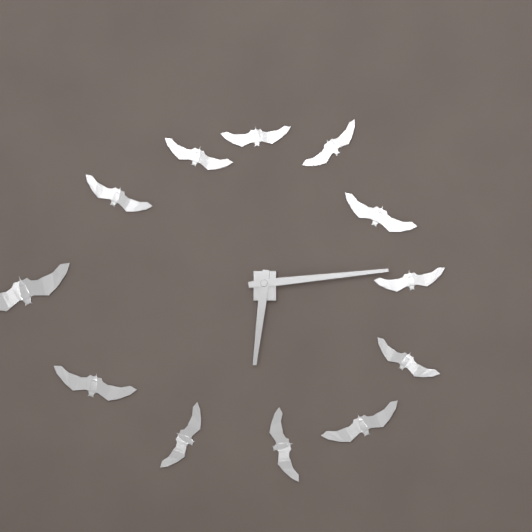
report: 6h14
